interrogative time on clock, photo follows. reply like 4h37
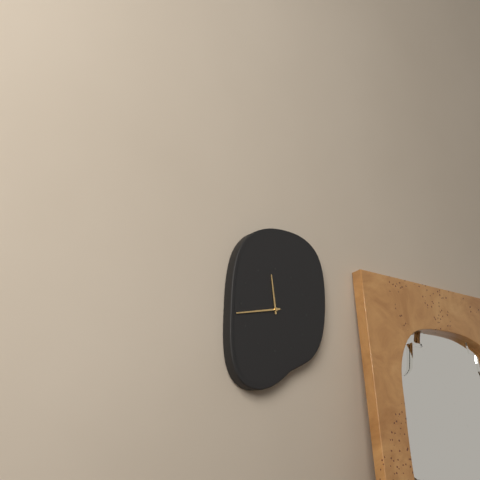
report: 11h43
